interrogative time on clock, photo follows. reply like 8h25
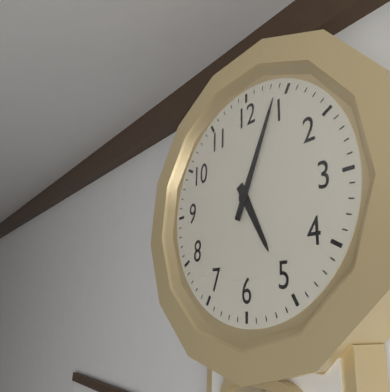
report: 5h04
